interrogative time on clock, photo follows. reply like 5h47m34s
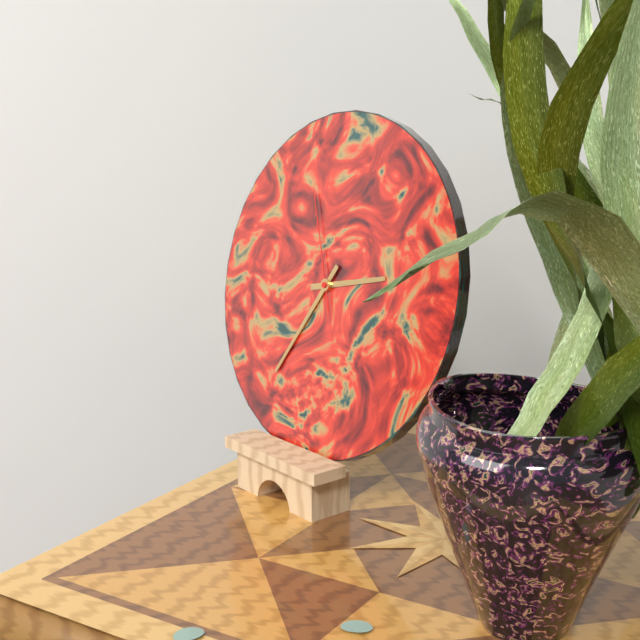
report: 2h35m56s
